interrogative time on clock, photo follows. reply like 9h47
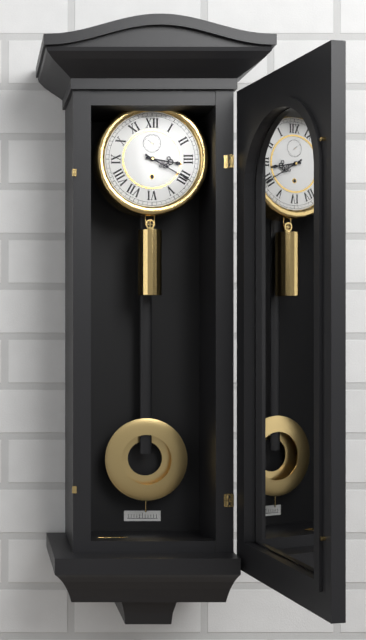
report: 3h20
